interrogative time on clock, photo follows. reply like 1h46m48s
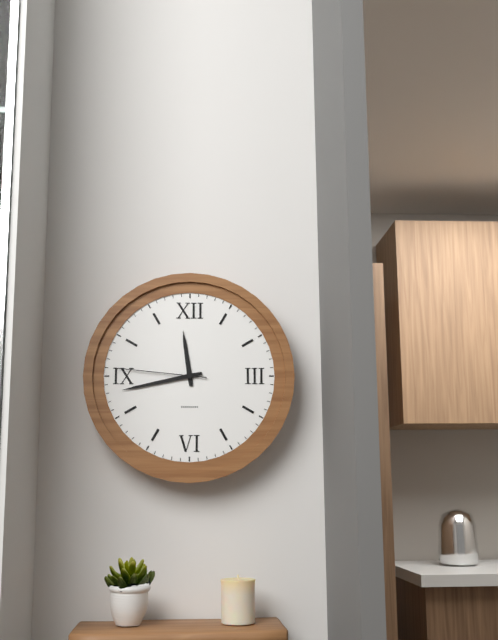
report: 11h43m46s
